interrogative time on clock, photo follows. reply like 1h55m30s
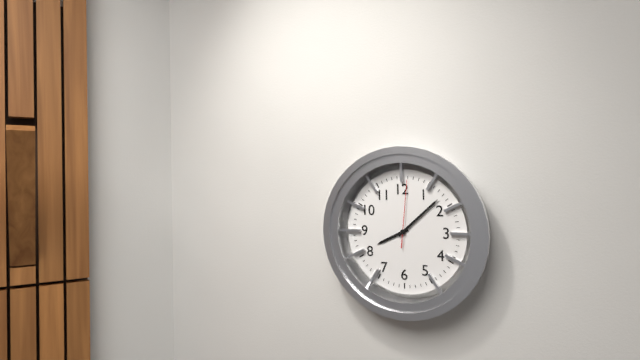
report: 8h08m01s
